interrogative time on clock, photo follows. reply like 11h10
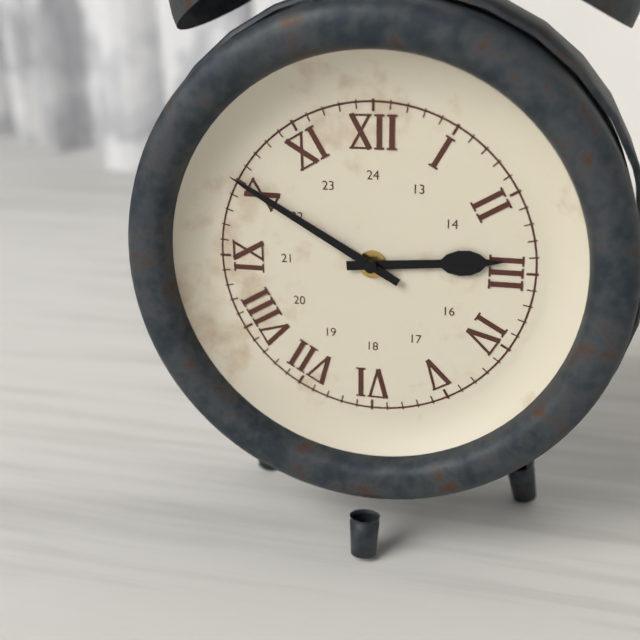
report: 2h50
